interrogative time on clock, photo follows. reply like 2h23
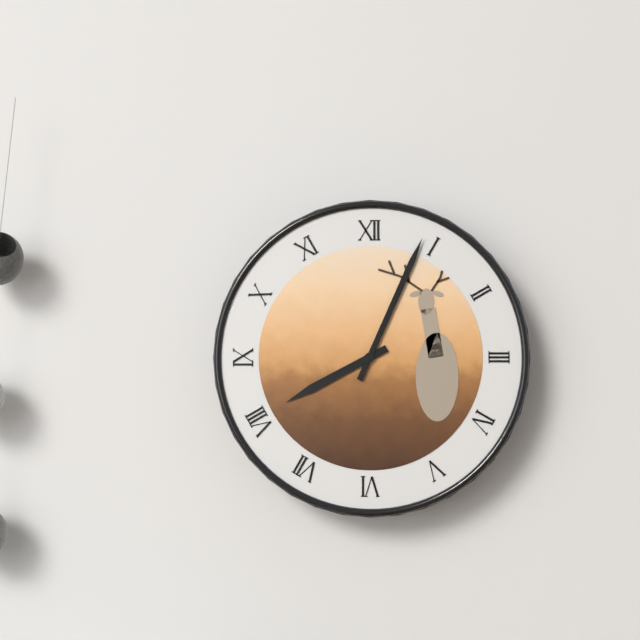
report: 8h04
